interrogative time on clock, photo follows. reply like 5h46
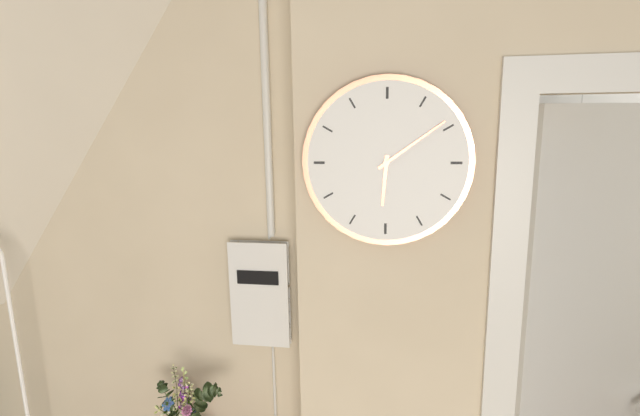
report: 6h09
